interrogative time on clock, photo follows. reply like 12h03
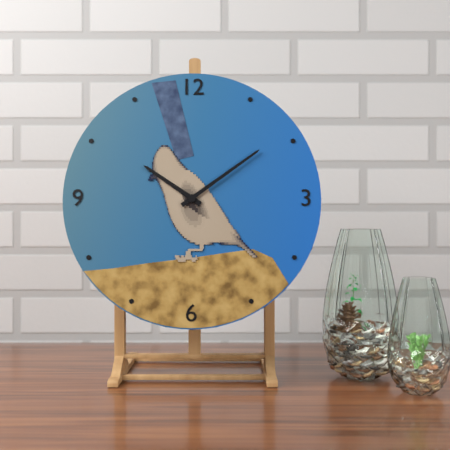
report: 10h09
